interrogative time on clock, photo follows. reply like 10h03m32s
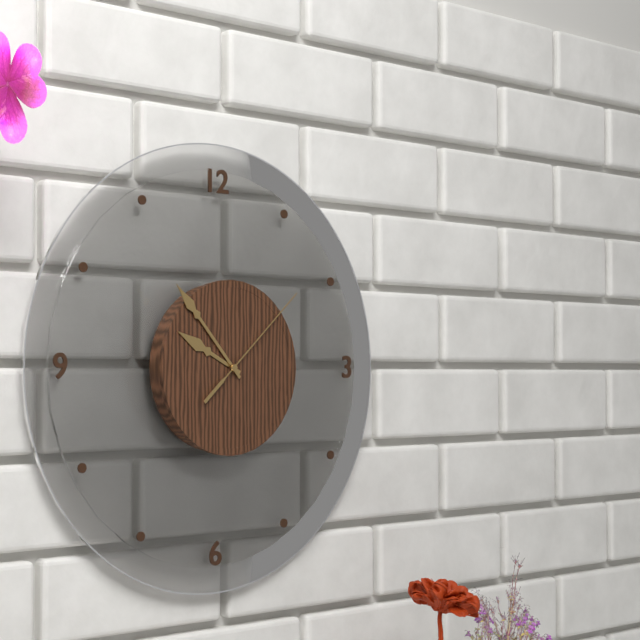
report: 9h53m08s
